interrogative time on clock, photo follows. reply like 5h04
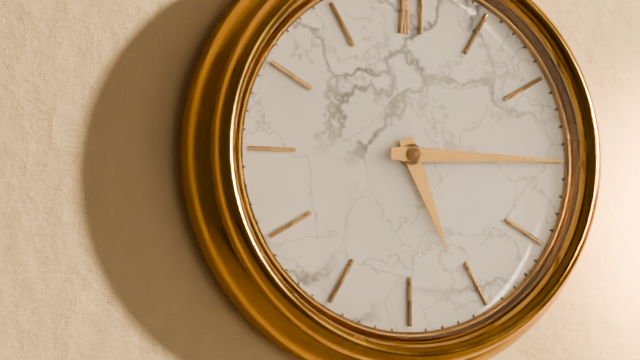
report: 5h15
